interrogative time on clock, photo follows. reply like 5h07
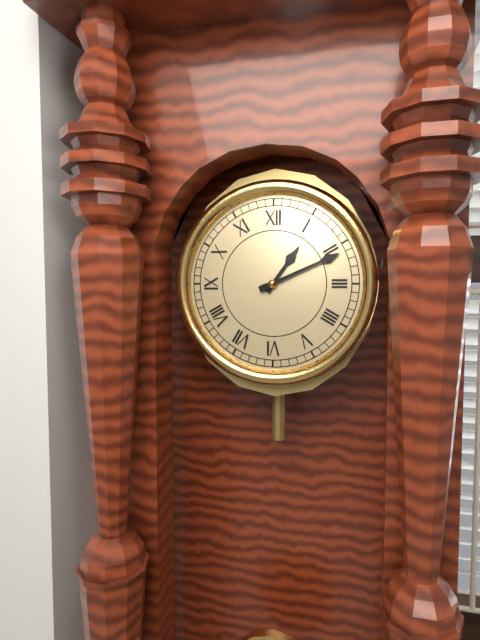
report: 1h11
